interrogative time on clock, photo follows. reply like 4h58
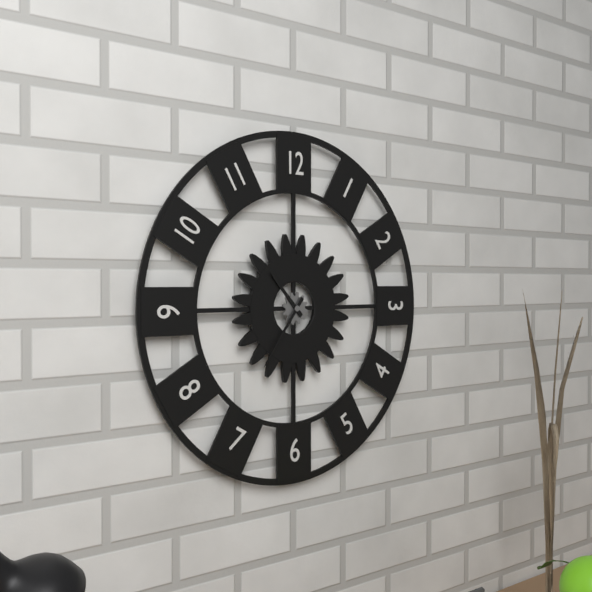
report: 10h36
